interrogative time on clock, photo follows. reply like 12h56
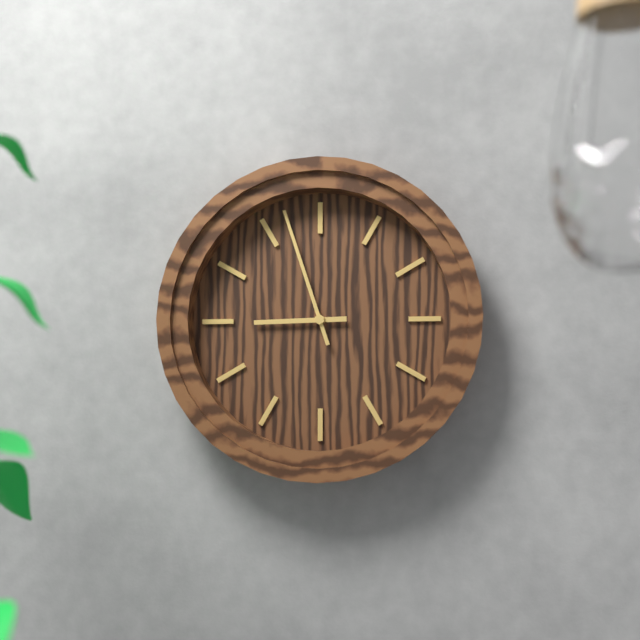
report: 8h57
